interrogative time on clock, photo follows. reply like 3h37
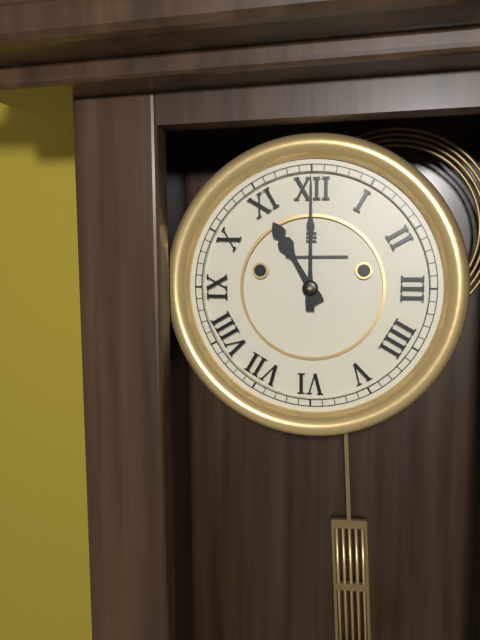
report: 11h00
